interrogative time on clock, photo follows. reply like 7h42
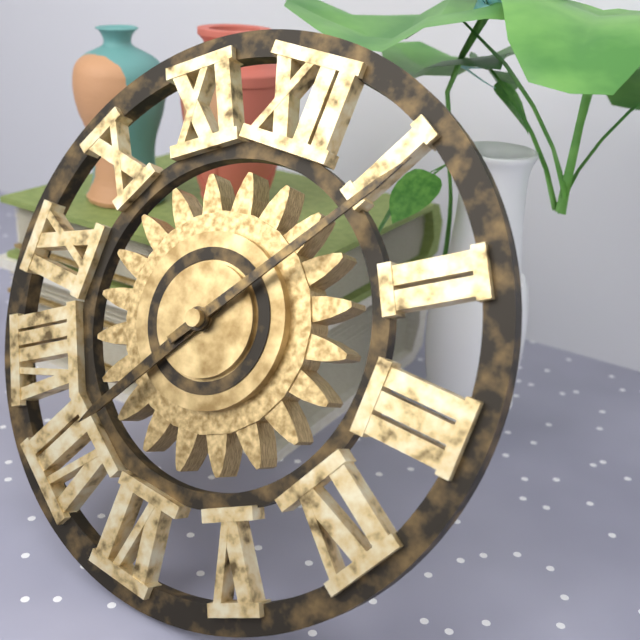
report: 7h06
